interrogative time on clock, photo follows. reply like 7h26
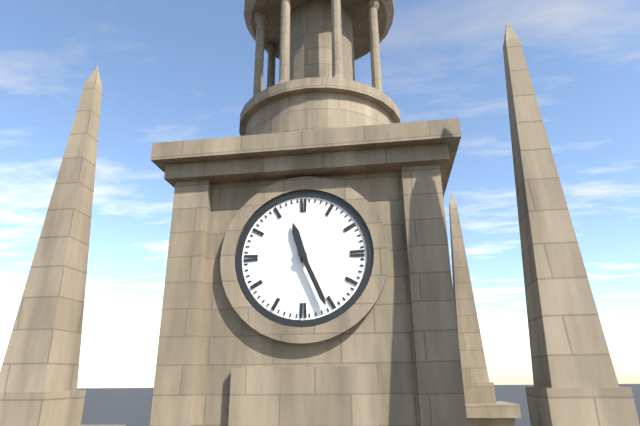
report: 11h26
